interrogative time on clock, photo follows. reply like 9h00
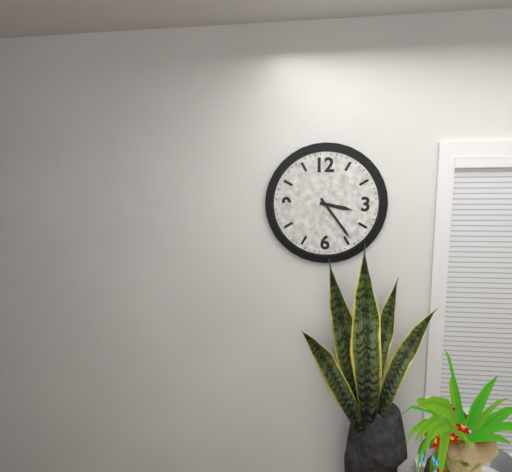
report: 3h24
